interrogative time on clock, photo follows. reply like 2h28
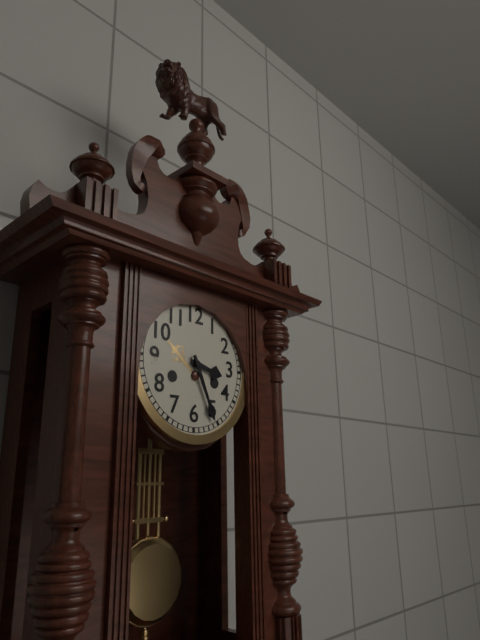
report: 3h26
